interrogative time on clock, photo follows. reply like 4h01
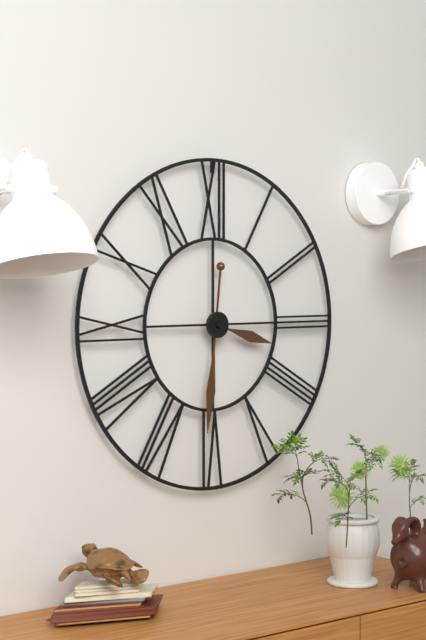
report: 3h31
